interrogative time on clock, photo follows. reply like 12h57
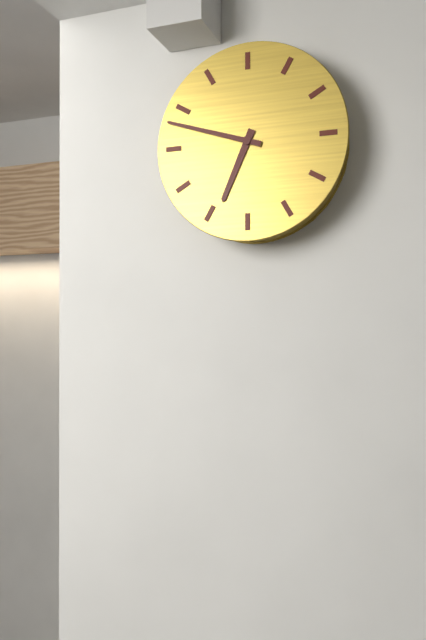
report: 6h48
